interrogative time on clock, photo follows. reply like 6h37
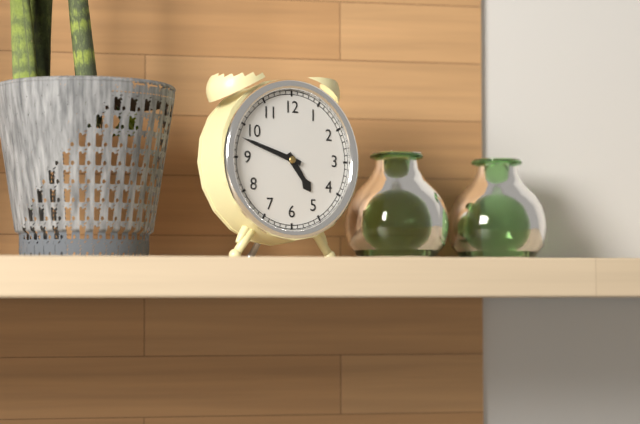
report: 4h48
